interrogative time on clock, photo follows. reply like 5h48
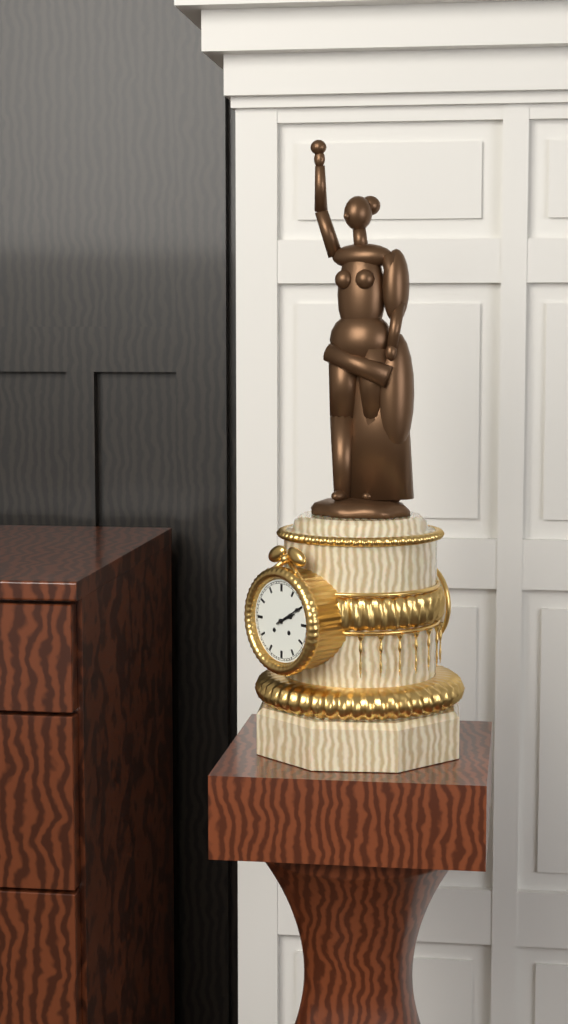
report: 2h10
